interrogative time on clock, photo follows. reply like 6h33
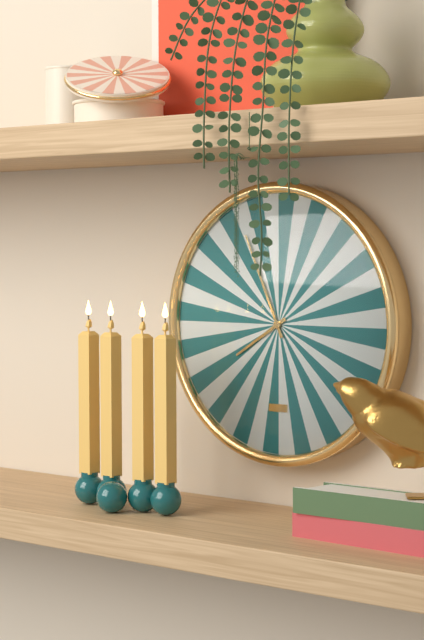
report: 7h56
